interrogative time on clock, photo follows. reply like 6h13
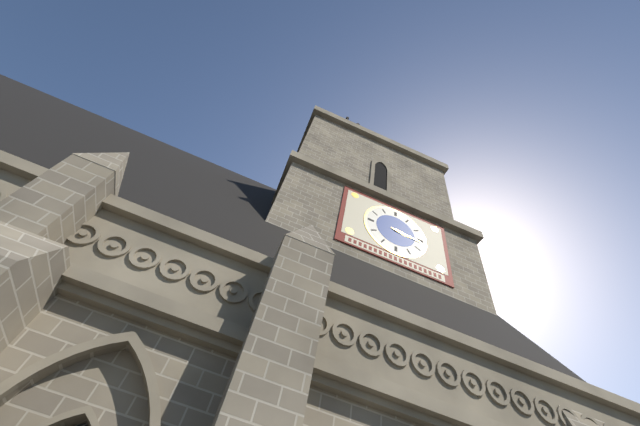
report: 3h16
